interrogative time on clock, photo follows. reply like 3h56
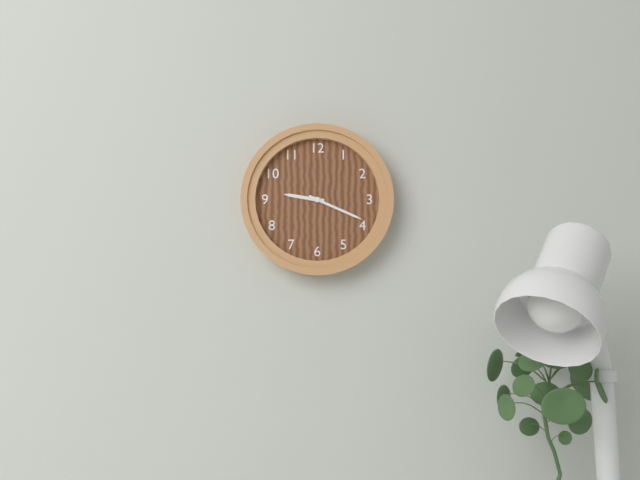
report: 9h19
